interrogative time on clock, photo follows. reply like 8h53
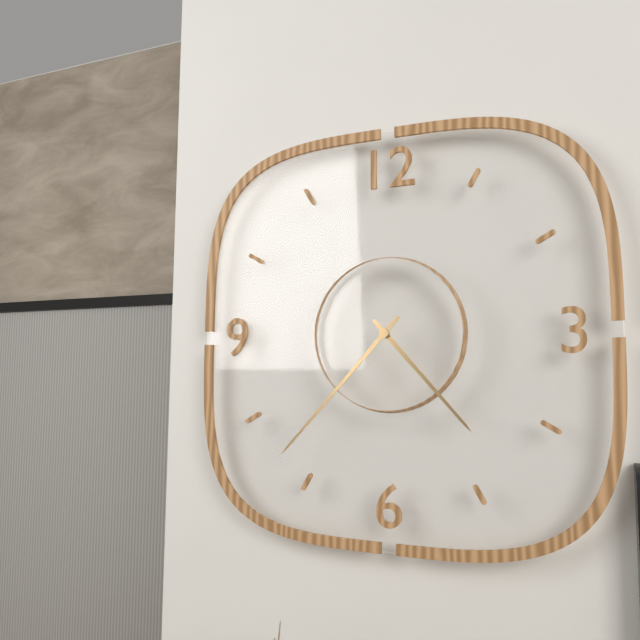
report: 4h37
